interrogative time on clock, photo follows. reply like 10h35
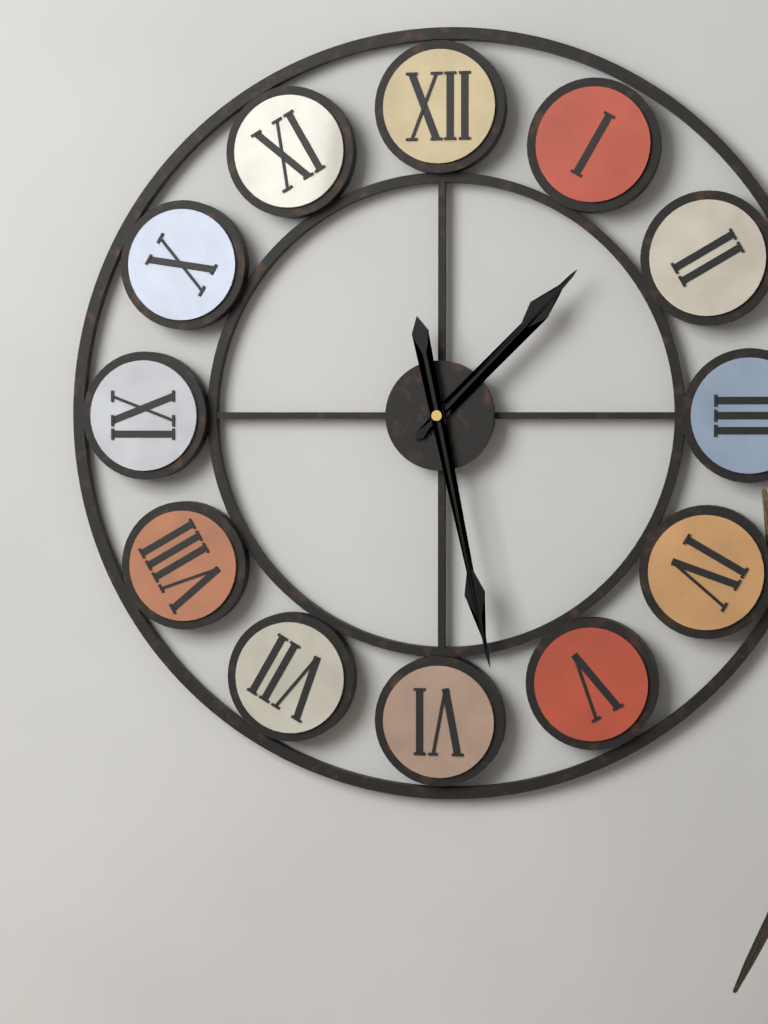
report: 1h28
